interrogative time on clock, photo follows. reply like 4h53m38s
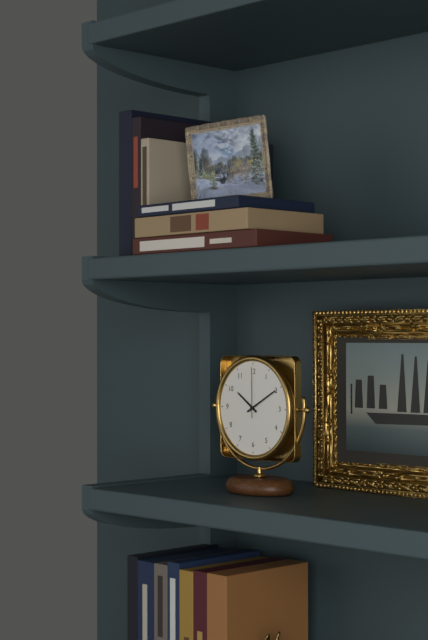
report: 10h10m00s
